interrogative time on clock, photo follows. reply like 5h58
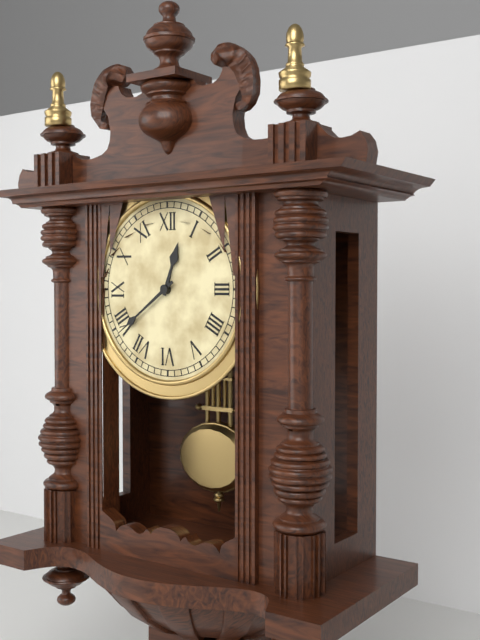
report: 12h39
